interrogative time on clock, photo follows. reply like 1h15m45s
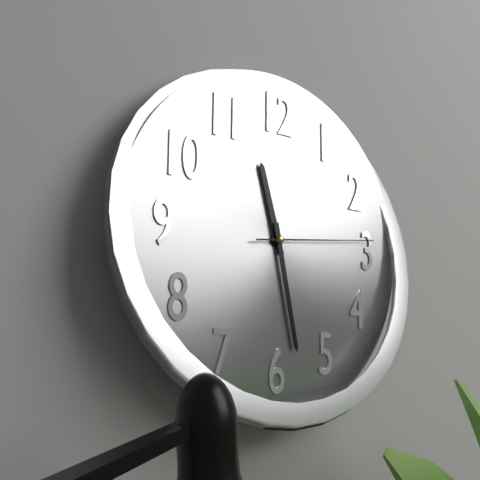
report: 11h28m14s
